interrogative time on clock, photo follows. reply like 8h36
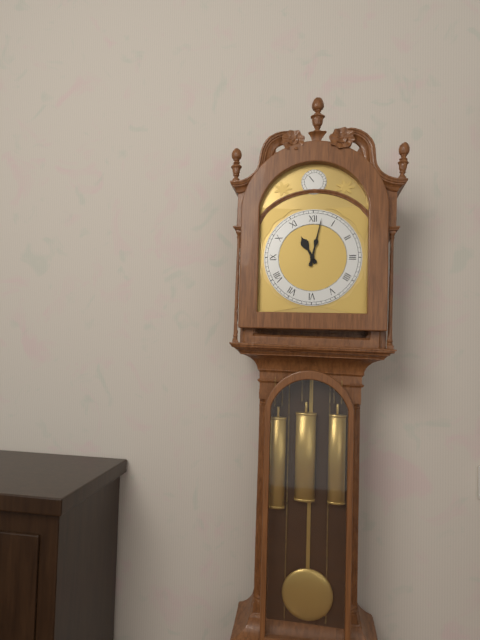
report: 11h02
